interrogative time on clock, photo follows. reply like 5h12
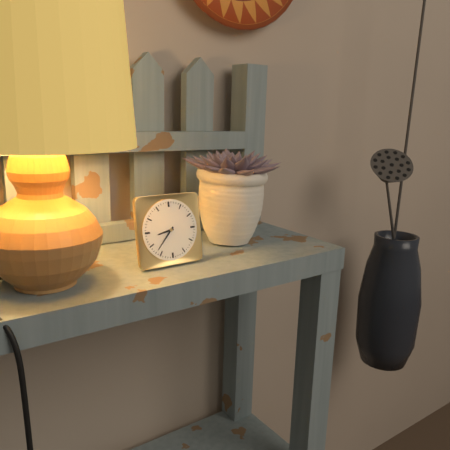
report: 8h37
